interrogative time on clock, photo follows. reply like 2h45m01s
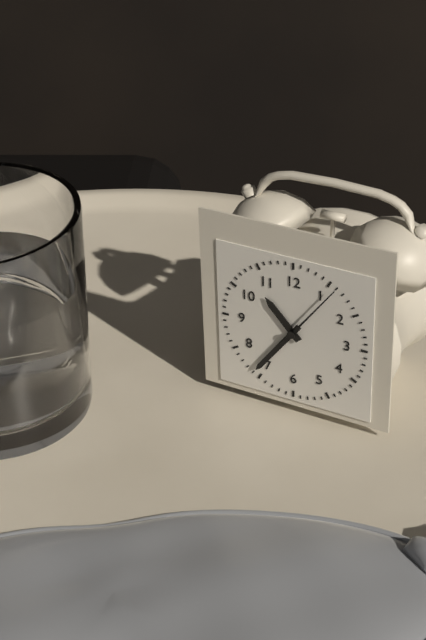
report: 10h36m06s
